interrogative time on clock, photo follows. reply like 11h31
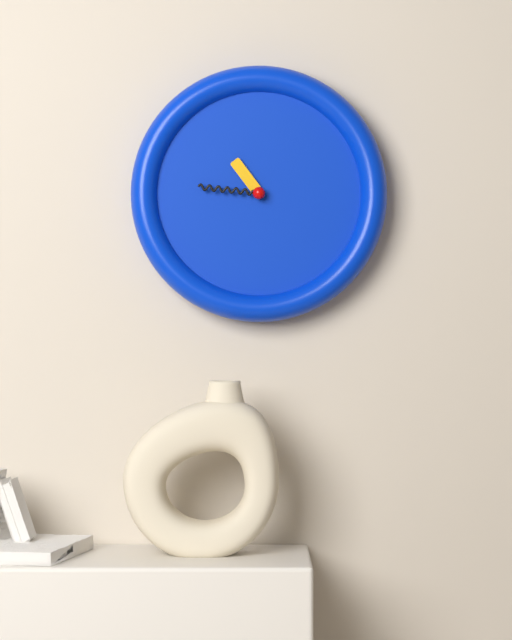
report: 10h46
